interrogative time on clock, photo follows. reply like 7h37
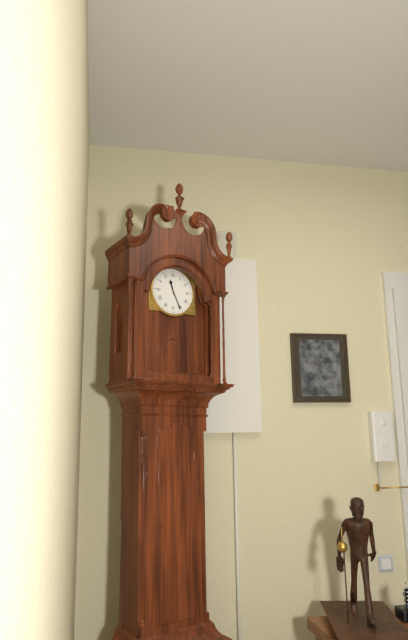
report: 11h26
